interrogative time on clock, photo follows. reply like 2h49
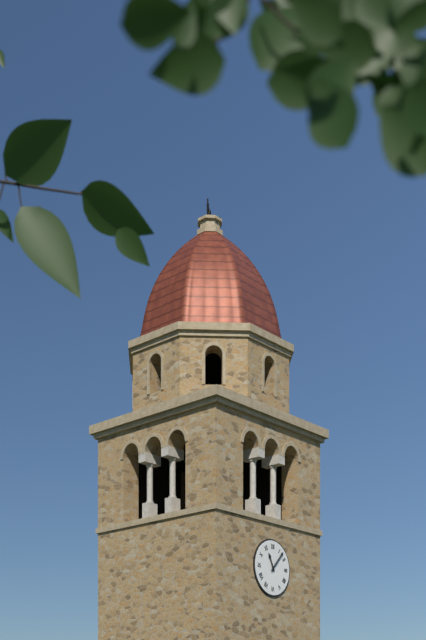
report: 11h07
